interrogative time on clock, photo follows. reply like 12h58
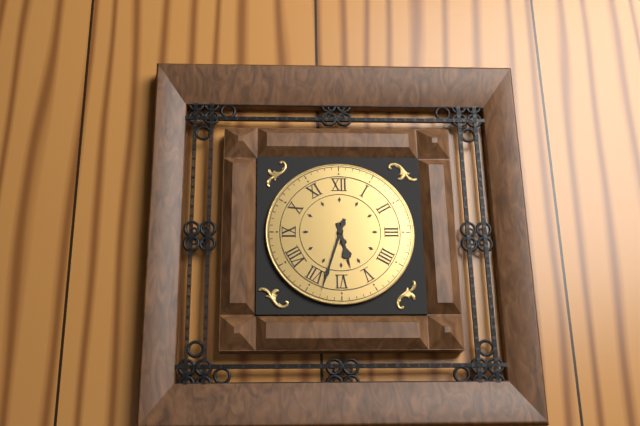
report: 5h33
